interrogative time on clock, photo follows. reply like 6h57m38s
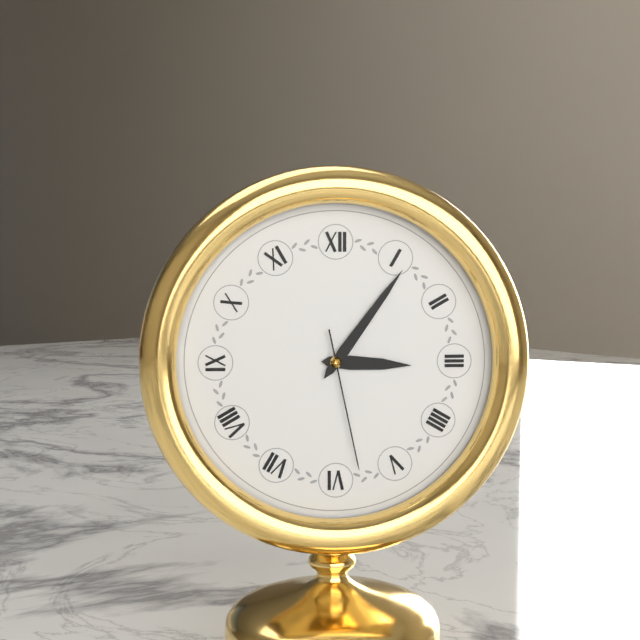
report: 3h06m28s
